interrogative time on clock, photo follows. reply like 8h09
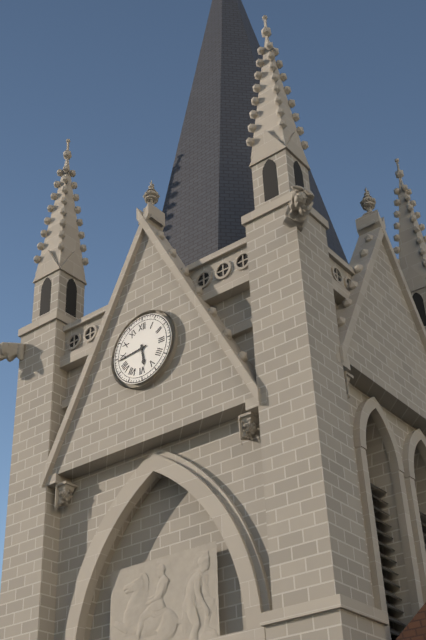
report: 5h44
